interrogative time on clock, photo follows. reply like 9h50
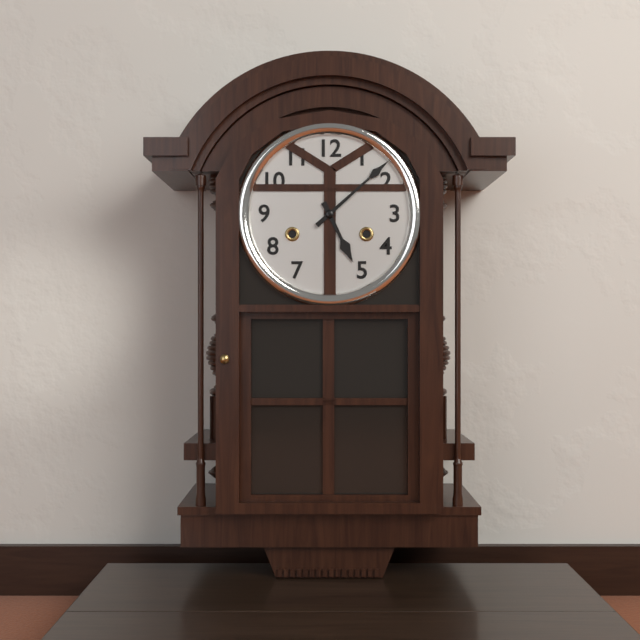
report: 5h08
